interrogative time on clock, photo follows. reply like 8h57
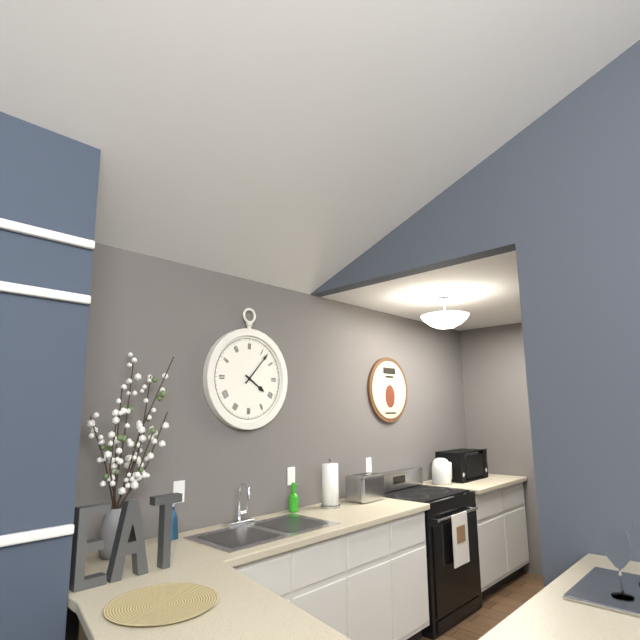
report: 4h07
